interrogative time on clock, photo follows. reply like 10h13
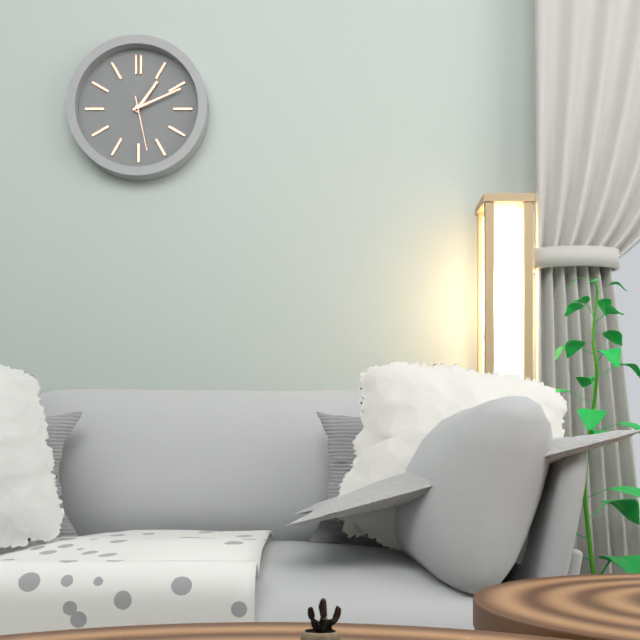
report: 1h11
